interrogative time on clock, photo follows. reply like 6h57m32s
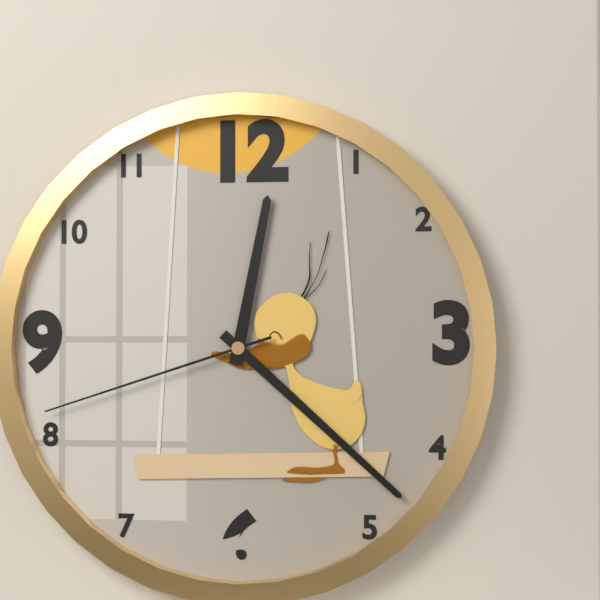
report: 12h22m42s
